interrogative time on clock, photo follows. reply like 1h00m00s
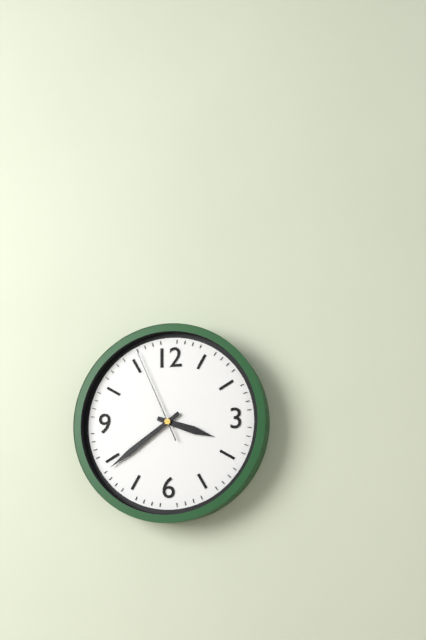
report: 3h39m56s
